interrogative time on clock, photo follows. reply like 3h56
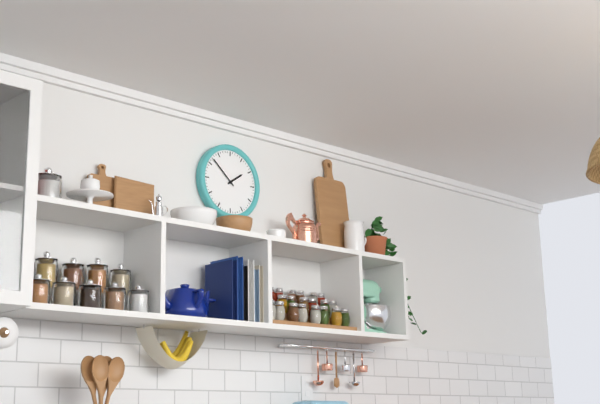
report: 1h52
